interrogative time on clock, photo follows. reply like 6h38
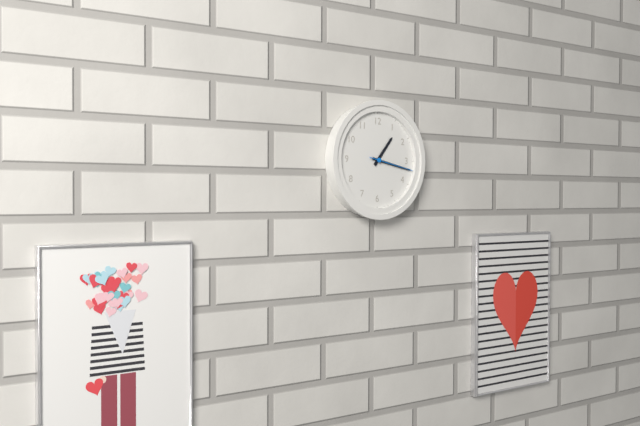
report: 1h17
